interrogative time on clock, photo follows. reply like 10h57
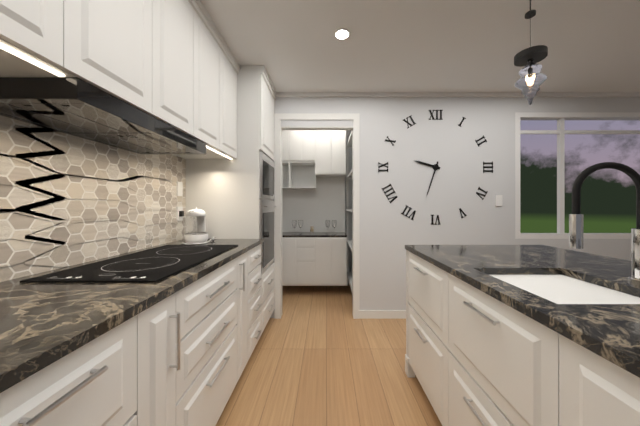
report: 9h33
